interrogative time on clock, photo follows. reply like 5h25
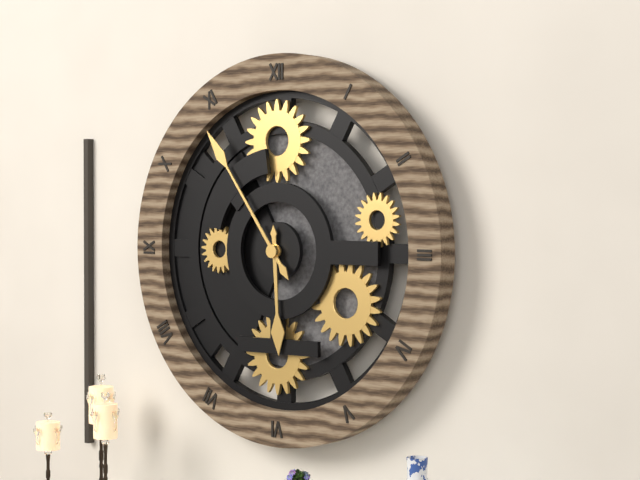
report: 5h54
